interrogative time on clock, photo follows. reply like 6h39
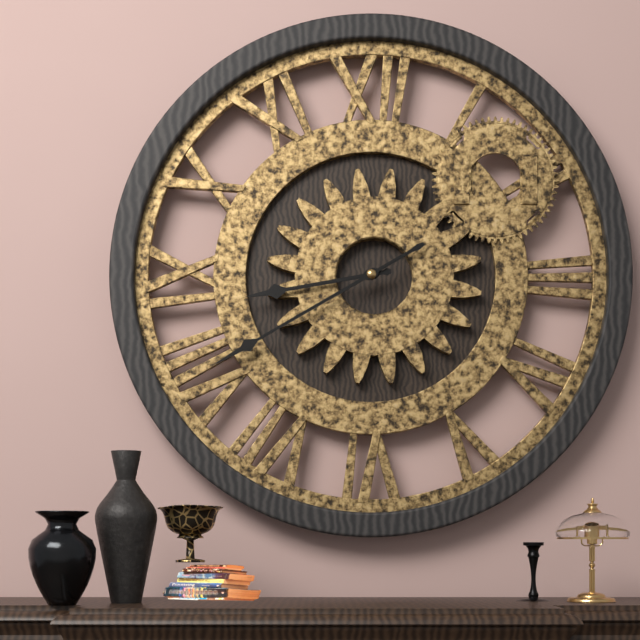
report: 8h40
